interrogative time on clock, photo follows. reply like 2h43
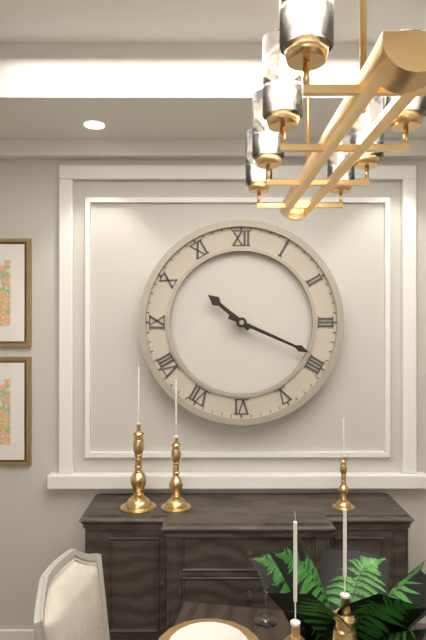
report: 10h19
